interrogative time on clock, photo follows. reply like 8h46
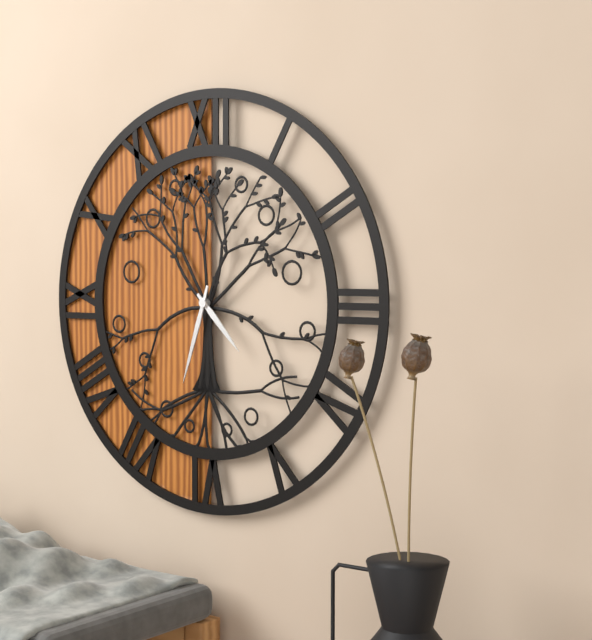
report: 4h33
